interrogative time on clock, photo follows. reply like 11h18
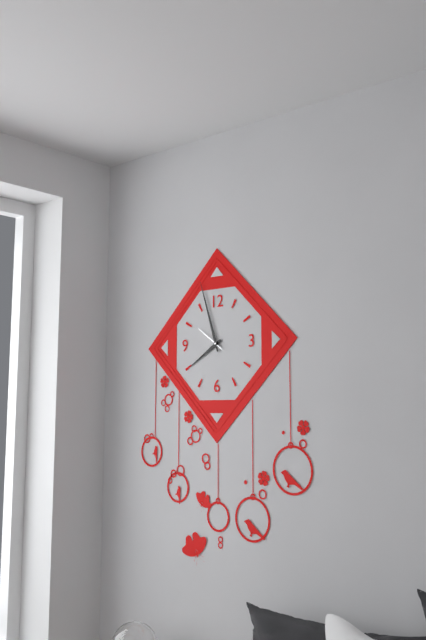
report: 7h57
